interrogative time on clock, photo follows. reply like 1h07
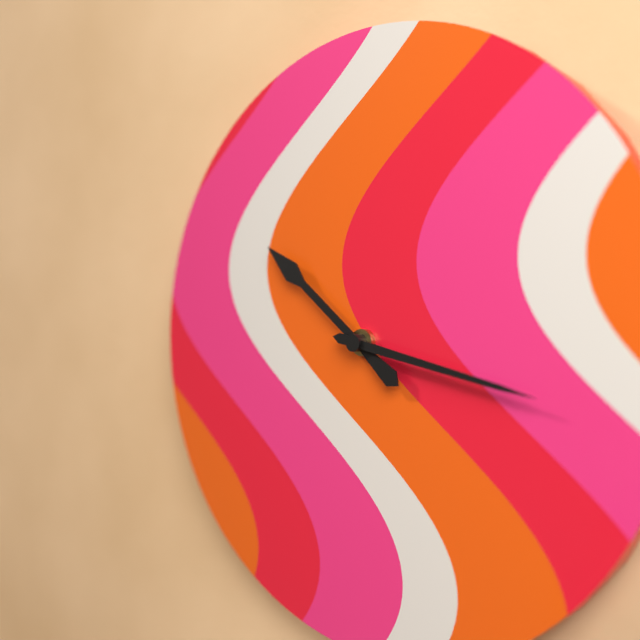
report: 10h17
